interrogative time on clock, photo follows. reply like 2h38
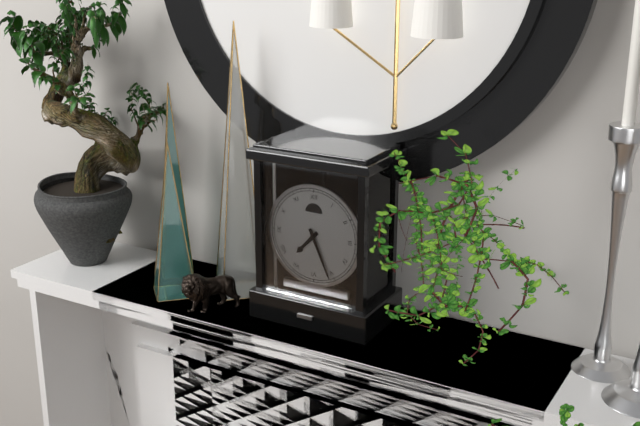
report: 7h26
